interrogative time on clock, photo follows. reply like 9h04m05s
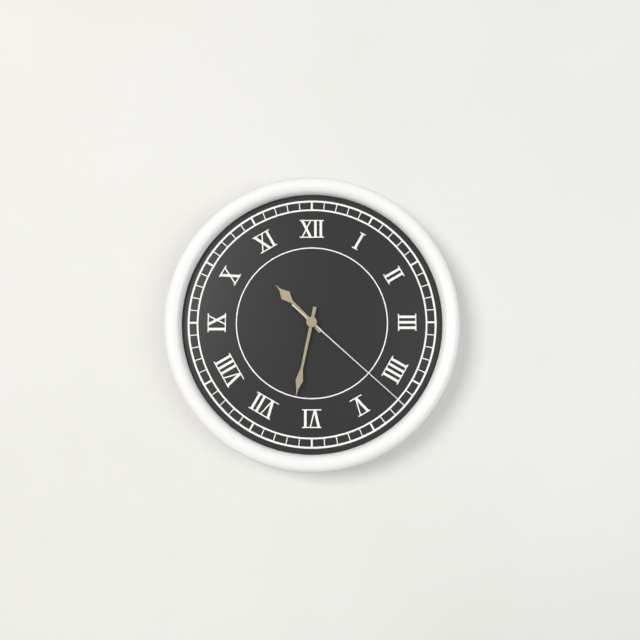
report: 10h32m22s
